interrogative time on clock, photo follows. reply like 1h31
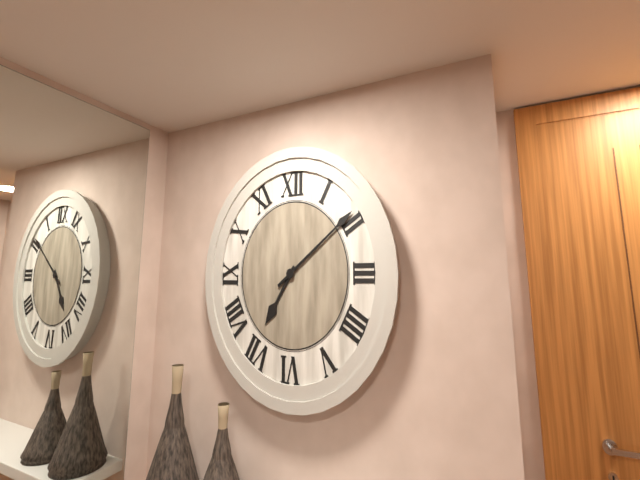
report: 7h09
